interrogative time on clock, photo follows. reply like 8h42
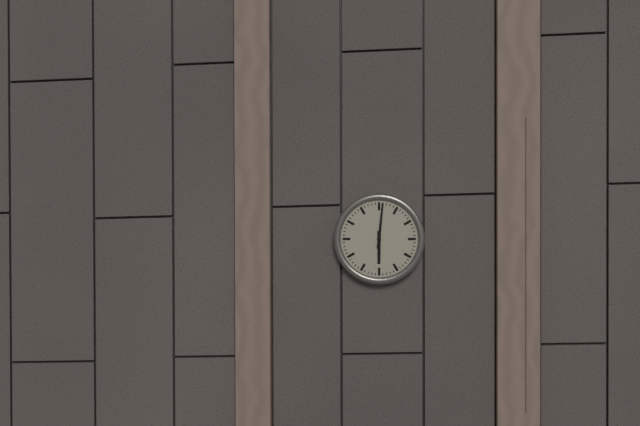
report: 6h01
